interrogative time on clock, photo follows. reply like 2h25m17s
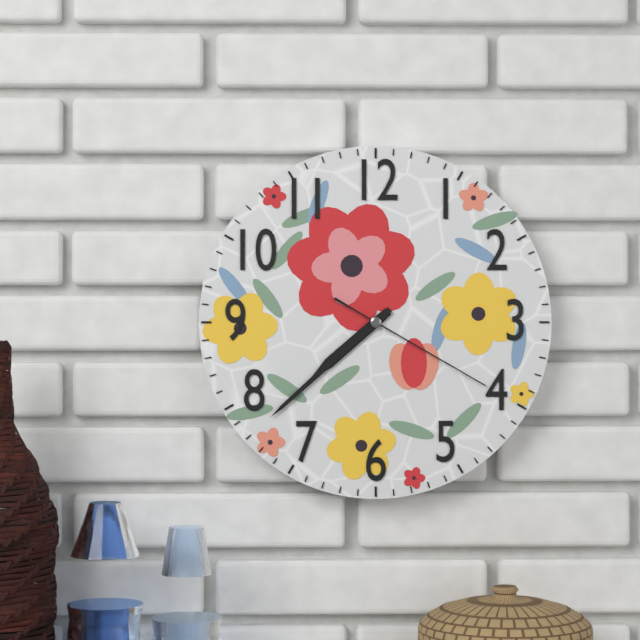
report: 7h38m20s
